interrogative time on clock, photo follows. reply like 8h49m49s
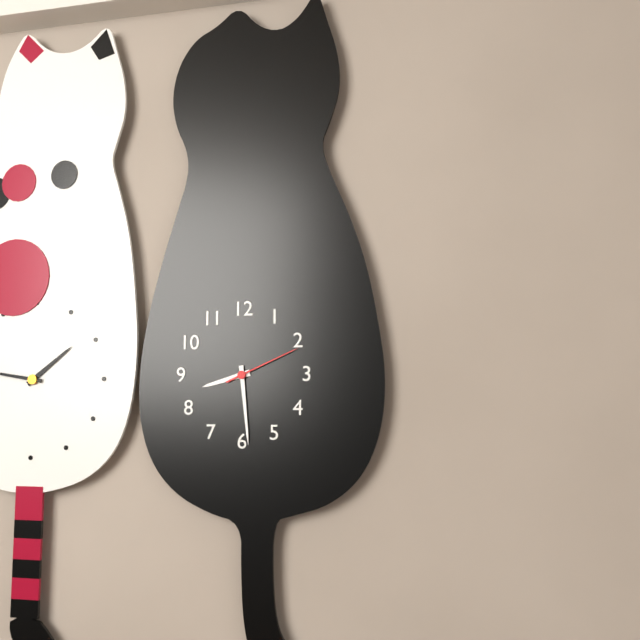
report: 8h29m11s
